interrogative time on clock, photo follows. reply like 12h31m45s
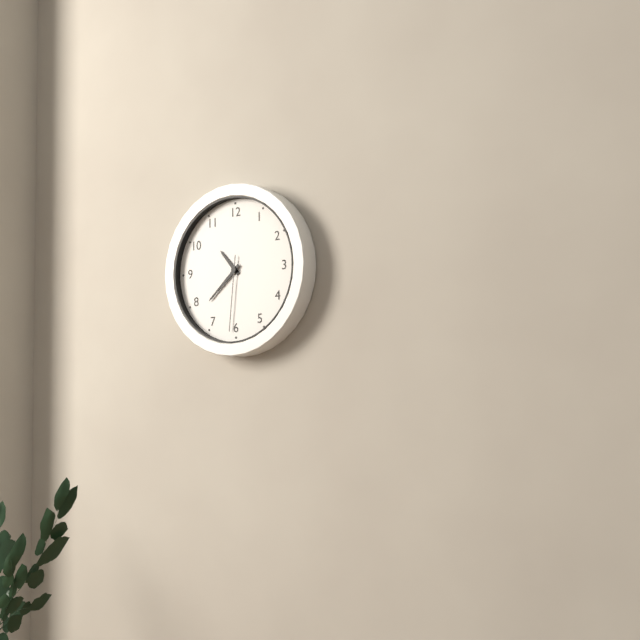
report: 10h38m31s
